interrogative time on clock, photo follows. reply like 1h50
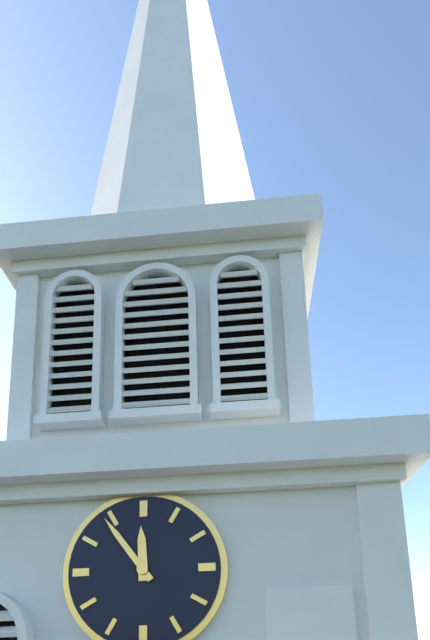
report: 11h54
